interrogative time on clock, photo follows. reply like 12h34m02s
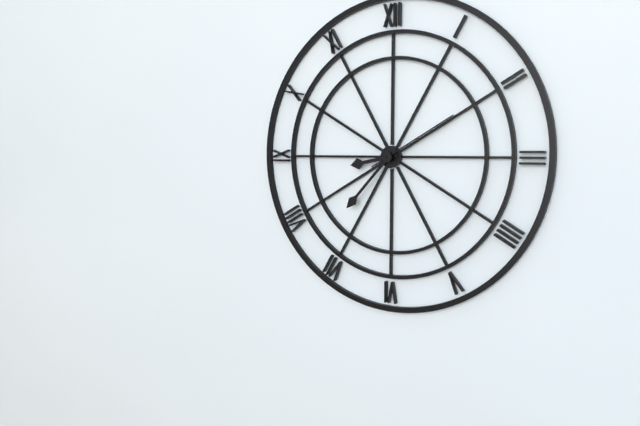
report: 8h37m10s
